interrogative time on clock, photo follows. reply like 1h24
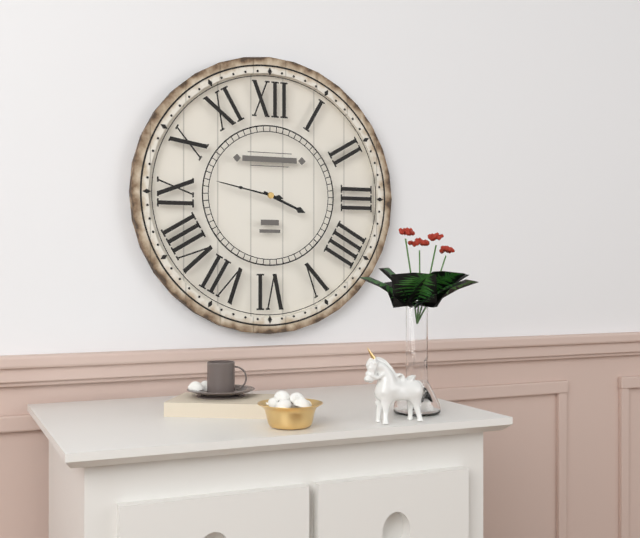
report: 3h47
